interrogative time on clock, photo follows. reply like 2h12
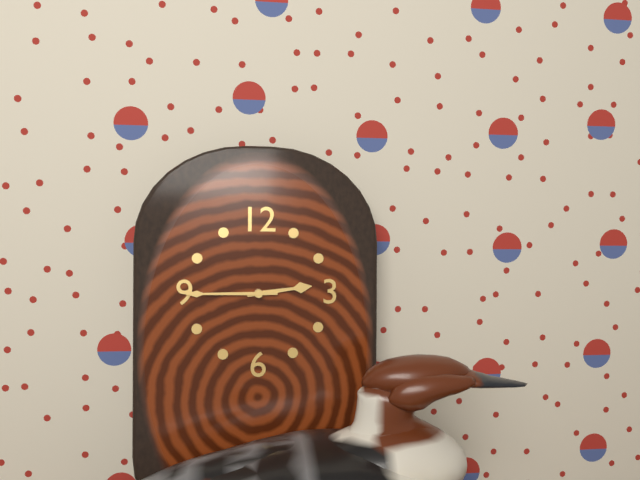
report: 2h45
